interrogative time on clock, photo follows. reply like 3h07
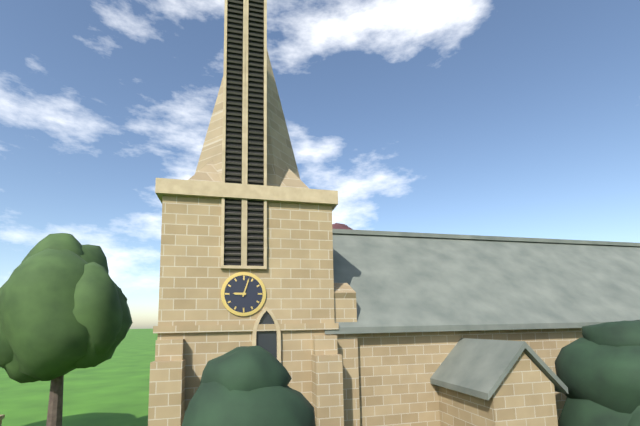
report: 9h03
